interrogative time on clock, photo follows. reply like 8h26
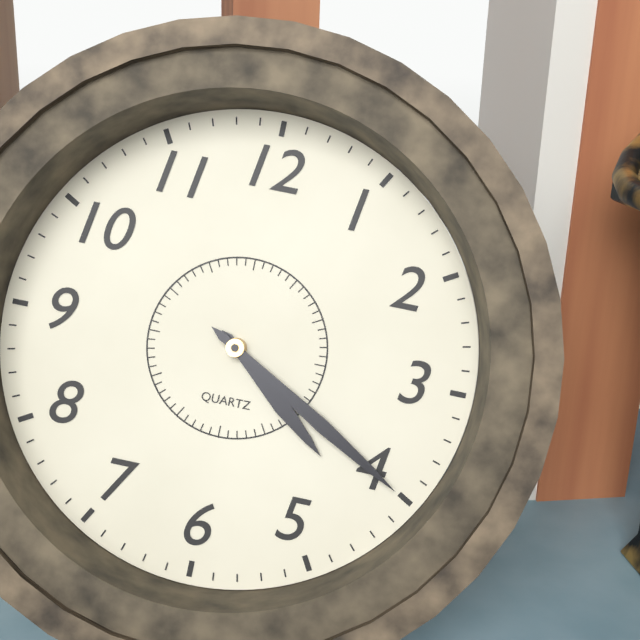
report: 4h20
